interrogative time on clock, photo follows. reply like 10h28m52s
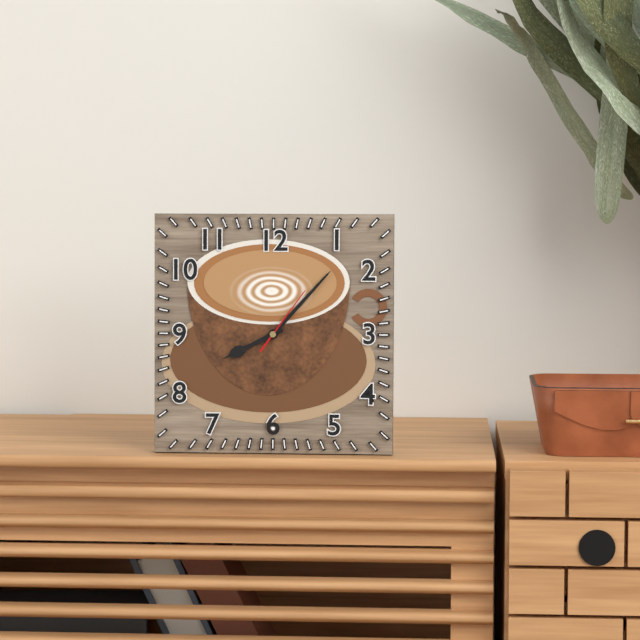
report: 8h07m06s
